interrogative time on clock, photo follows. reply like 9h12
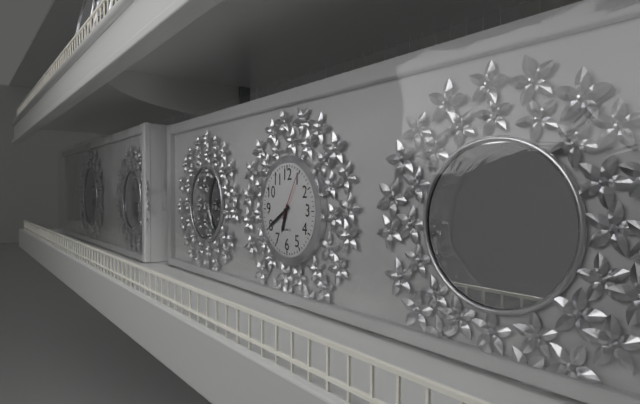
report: 6h40
